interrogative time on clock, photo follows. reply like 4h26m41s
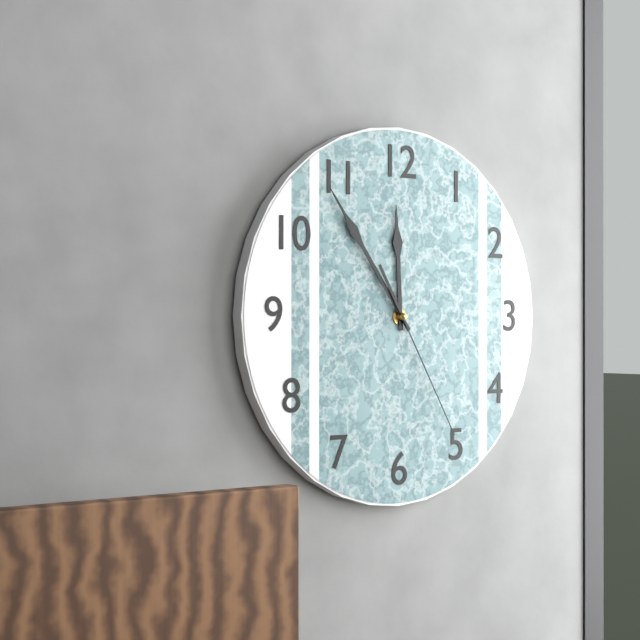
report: 11h54m25s
